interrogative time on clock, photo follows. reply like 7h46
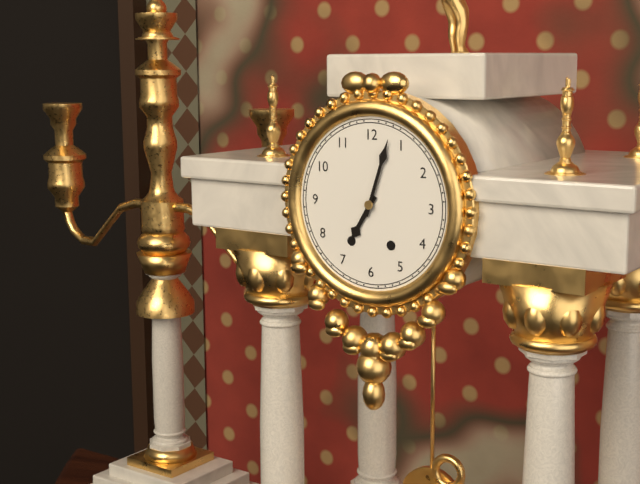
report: 7h03
